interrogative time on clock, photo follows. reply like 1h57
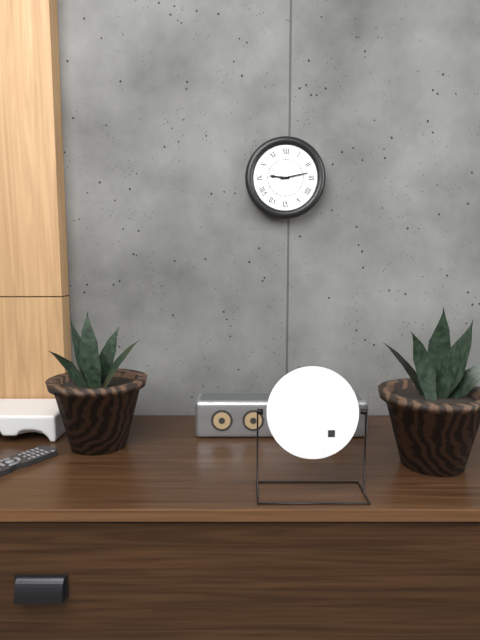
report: 9h13
